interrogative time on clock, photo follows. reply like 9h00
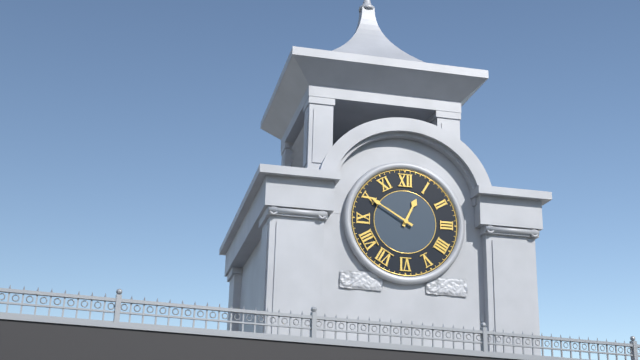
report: 12h50
